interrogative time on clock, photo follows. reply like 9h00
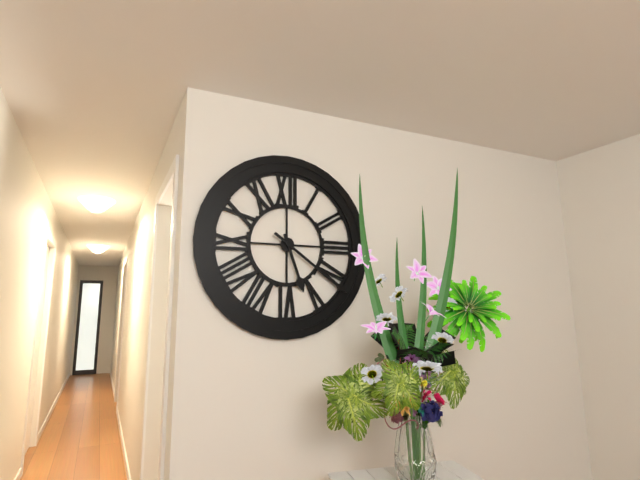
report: 5h21
